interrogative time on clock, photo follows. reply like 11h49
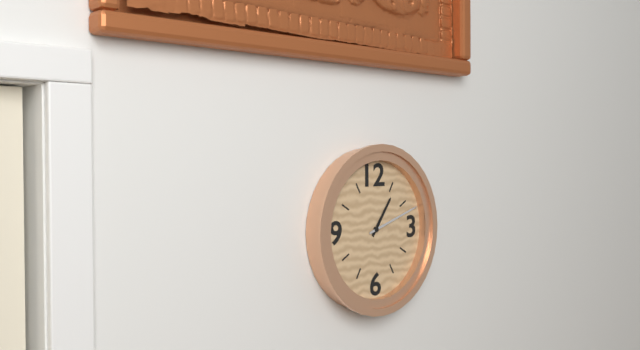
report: 1h12
